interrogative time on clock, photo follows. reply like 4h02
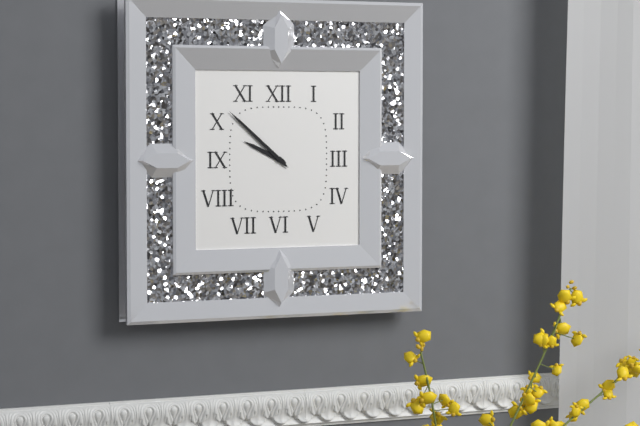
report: 9h52
